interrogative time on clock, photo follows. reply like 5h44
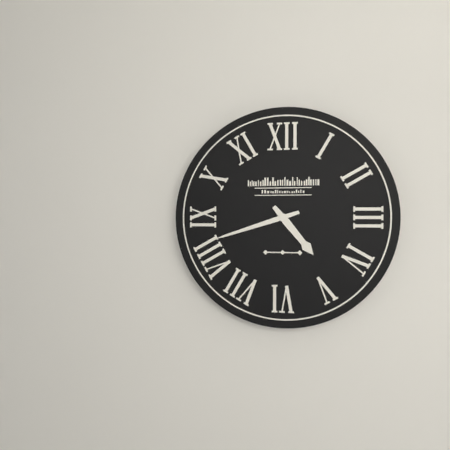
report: 4h42
